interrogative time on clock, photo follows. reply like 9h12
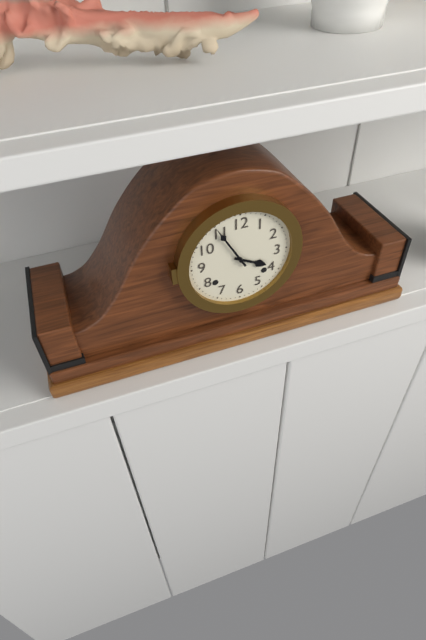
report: 3h55
